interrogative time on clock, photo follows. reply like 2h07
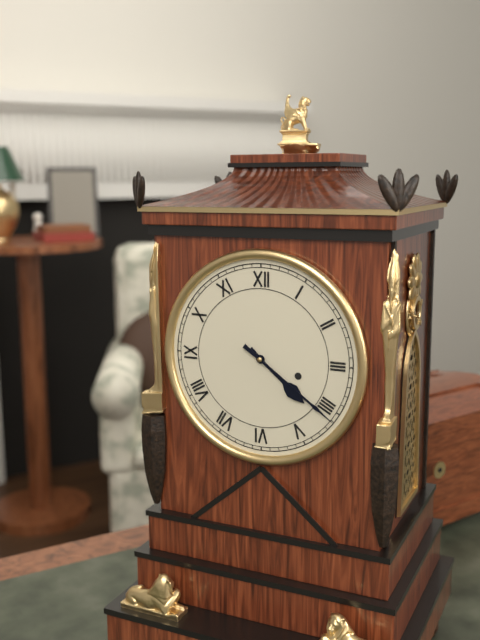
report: 4h21
